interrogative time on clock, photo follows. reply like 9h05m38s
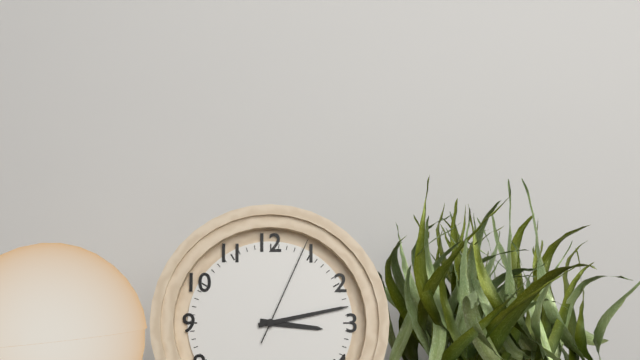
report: 3h13m04s
